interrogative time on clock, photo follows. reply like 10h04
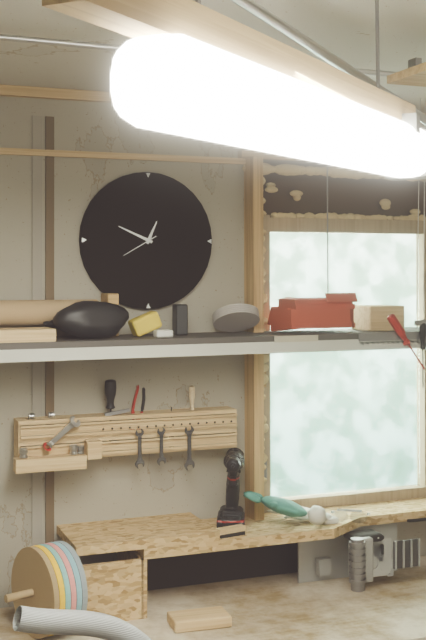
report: 12h49
